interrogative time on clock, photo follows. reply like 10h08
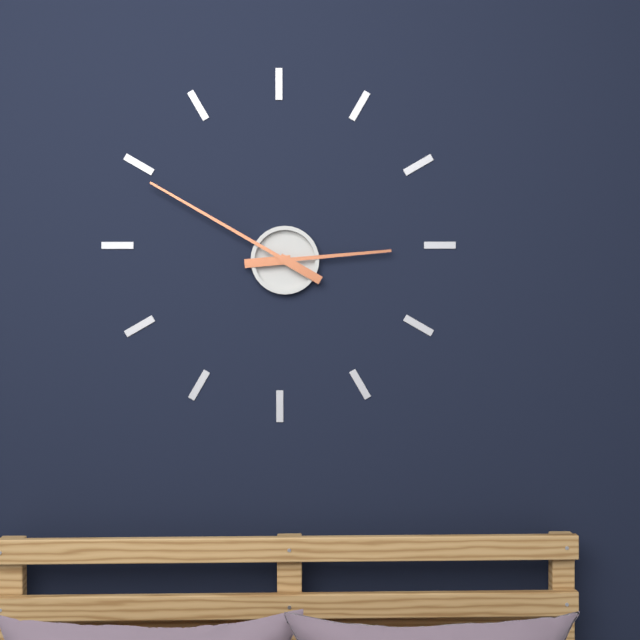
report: 2h50
